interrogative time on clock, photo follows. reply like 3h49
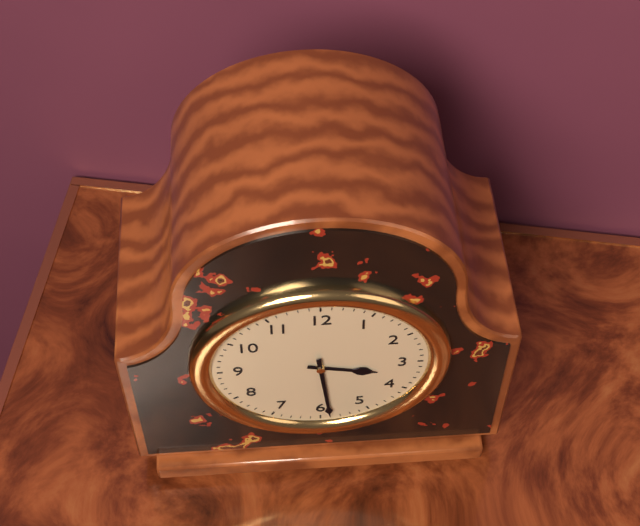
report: 3h29
